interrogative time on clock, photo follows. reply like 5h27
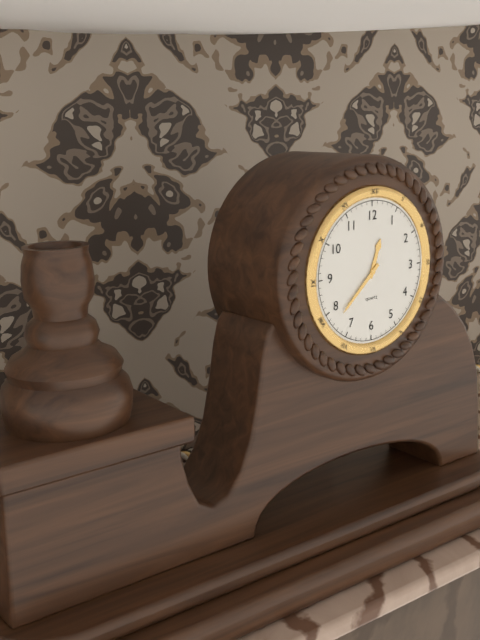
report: 12h38
